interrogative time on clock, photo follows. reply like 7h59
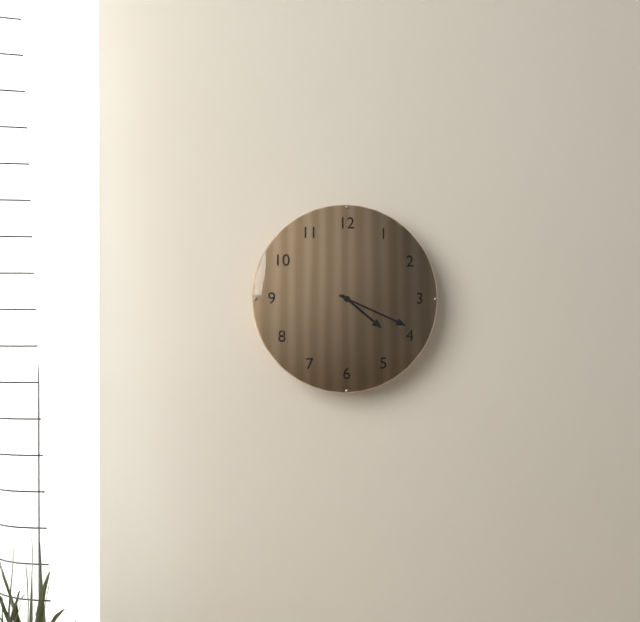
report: 4h19
